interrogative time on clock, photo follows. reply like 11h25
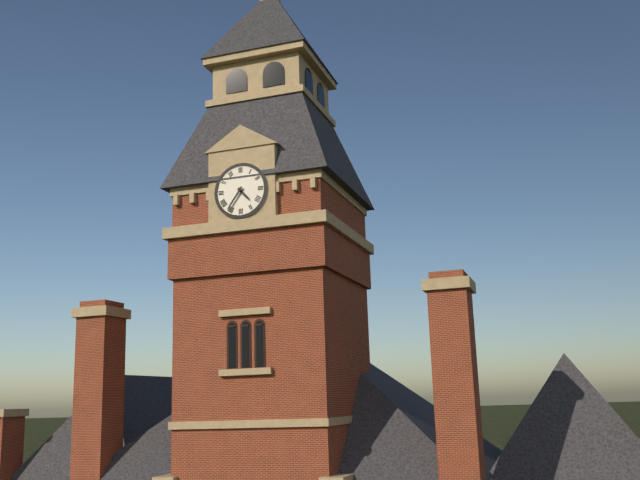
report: 4h36
